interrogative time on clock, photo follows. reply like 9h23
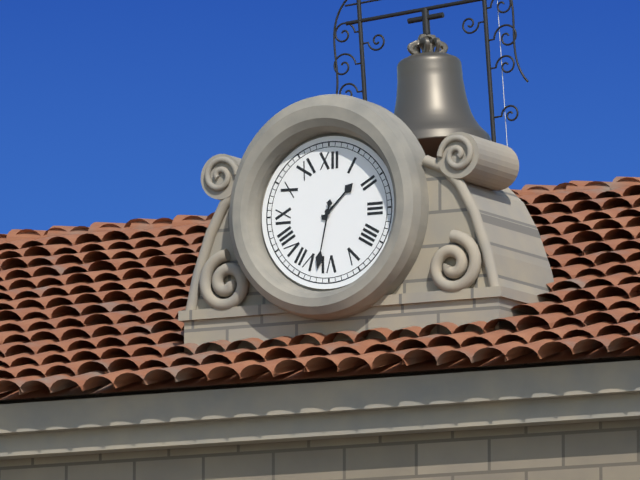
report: 1h32
